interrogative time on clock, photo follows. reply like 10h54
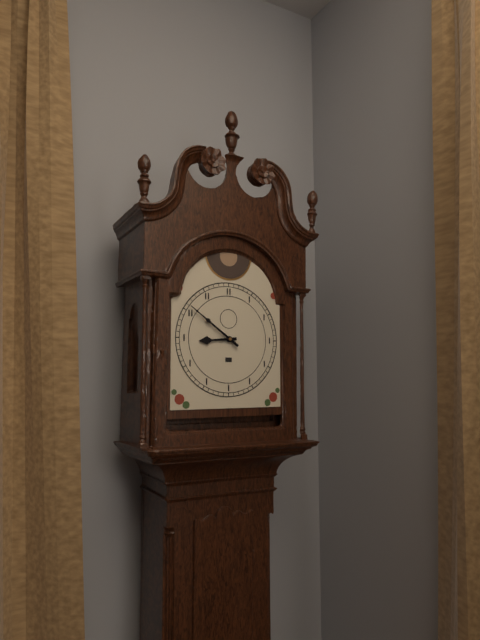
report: 8h51
